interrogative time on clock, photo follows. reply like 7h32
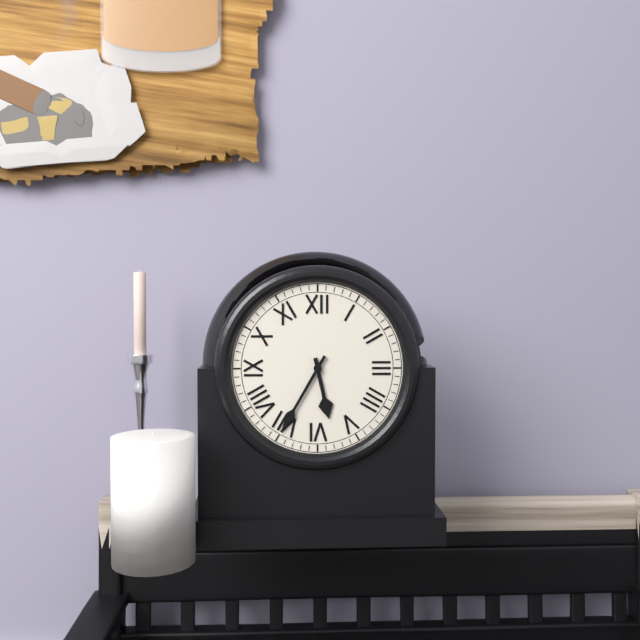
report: 5h35
